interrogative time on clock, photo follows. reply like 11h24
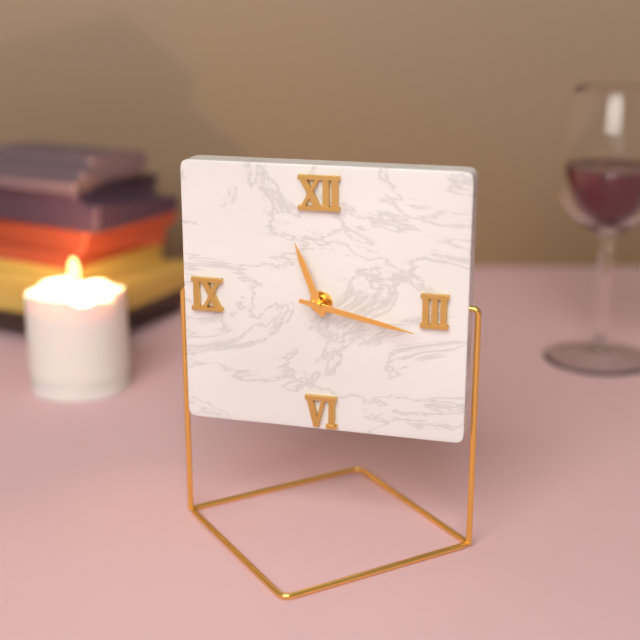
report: 11h17
